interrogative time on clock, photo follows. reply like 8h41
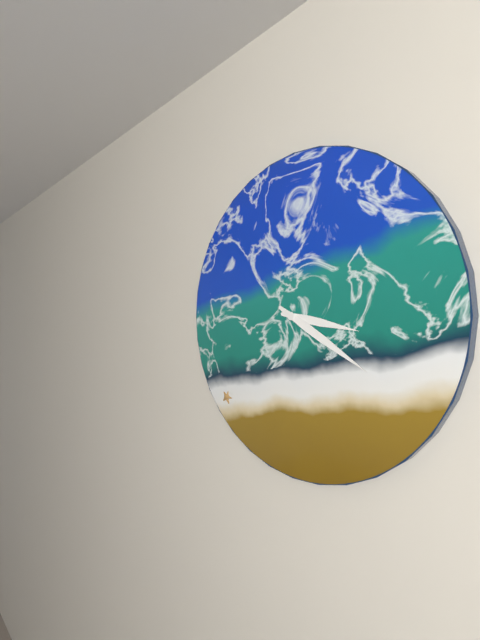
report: 3h20
